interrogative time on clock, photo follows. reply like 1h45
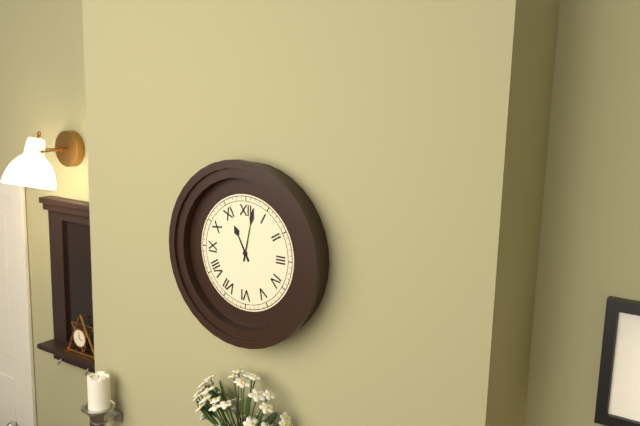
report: 11h02
